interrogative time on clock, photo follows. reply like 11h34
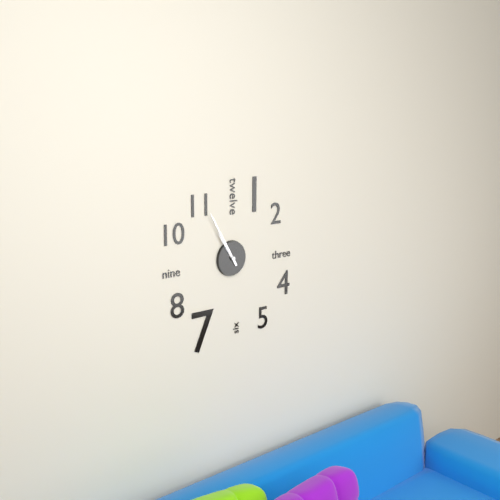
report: 10h55
